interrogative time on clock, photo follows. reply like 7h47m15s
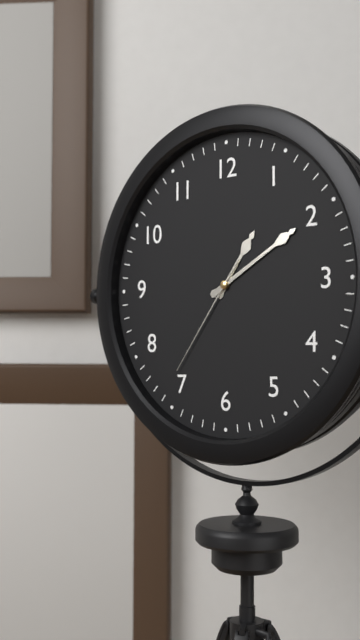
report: 1h10m36s
